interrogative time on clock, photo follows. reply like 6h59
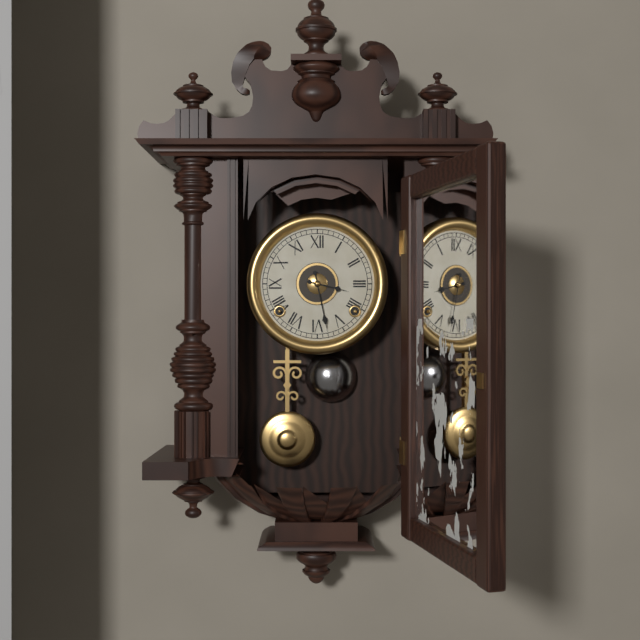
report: 3h28
